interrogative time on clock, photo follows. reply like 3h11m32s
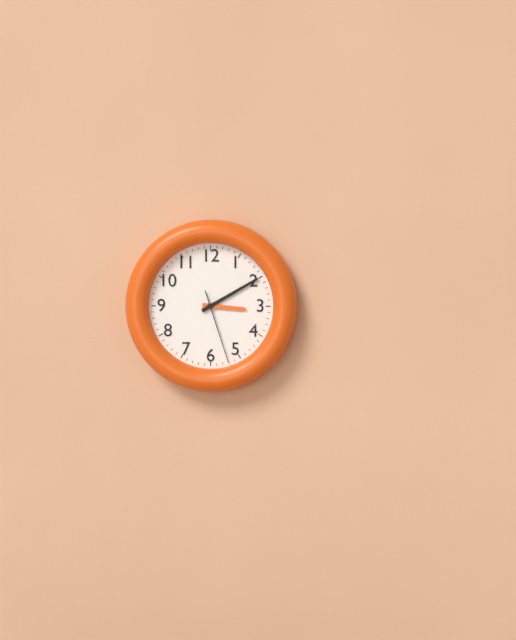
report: 3h10m27s
